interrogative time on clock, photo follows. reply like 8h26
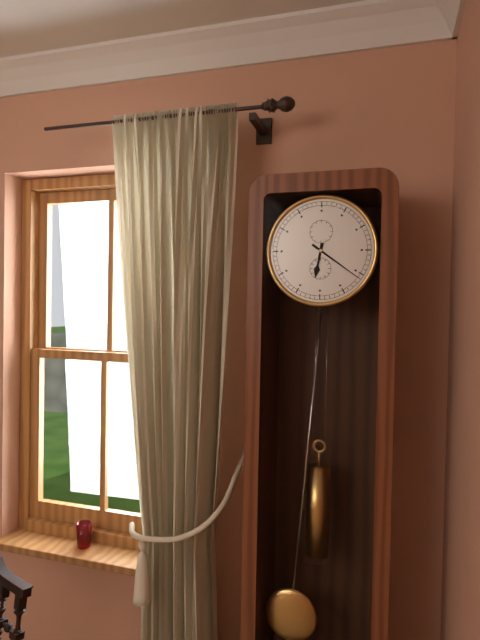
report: 6h21
